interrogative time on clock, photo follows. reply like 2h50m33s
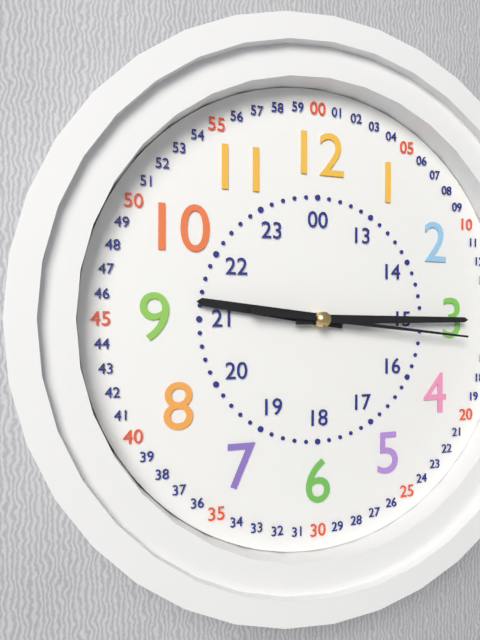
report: 9h15m16s
